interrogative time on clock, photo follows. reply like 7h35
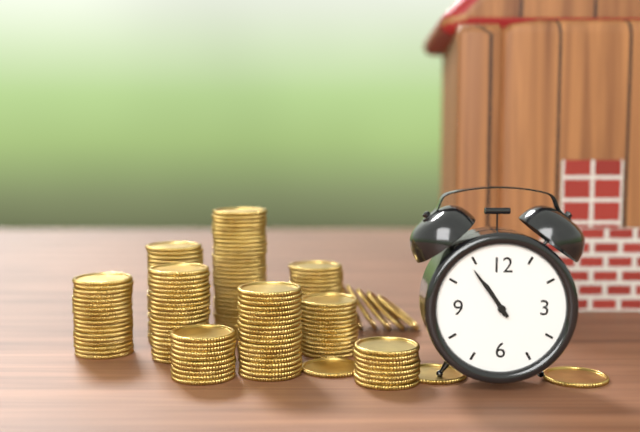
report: 10h54
